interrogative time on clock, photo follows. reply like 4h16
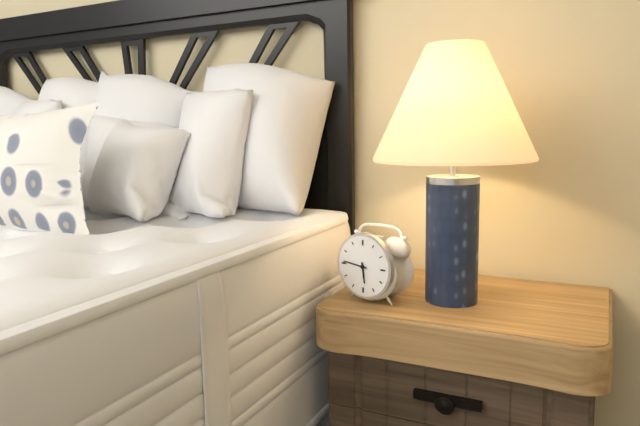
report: 5h46
